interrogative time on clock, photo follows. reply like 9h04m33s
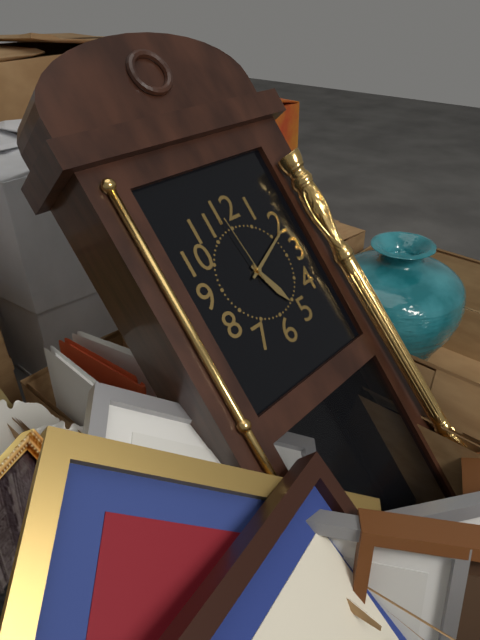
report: 5h11m59s
